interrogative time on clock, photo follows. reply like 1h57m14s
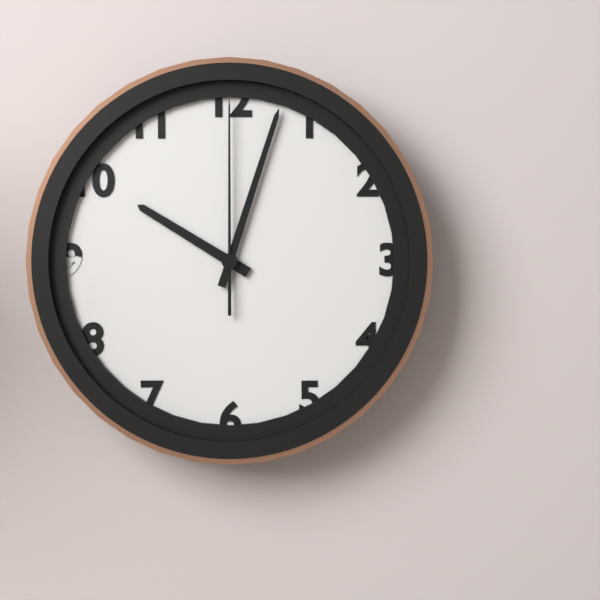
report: 10h03m00s
